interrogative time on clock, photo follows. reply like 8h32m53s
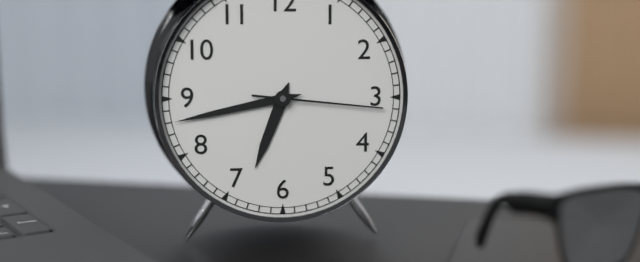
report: 6h43m16s
